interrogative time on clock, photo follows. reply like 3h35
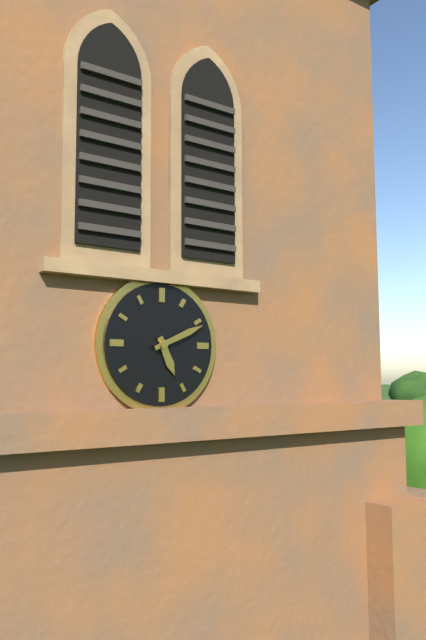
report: 5h11
